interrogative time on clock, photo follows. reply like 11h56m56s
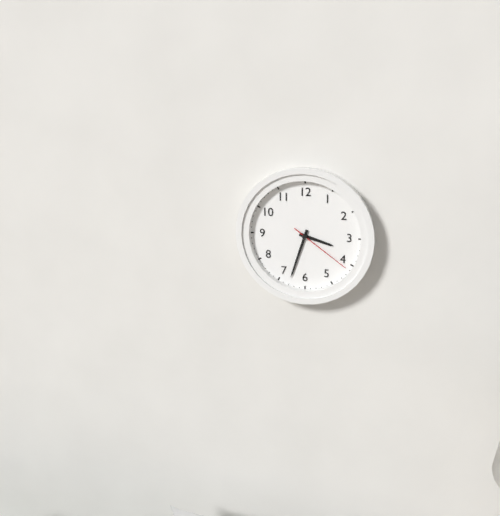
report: 3h33m21s
